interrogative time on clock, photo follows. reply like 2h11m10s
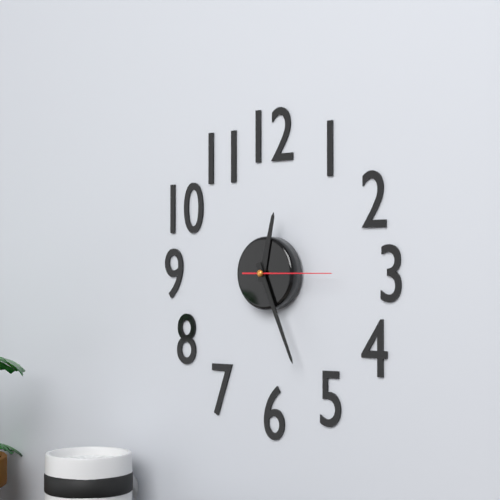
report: 12h26m15s
